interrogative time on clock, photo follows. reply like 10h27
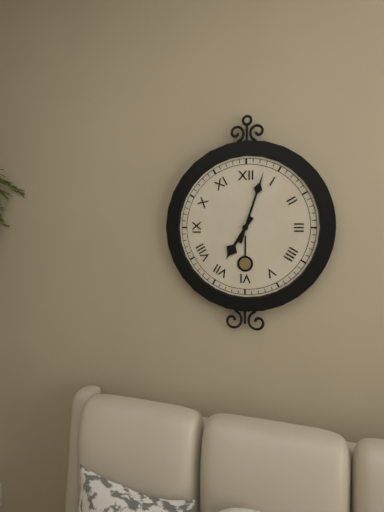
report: 7h03
